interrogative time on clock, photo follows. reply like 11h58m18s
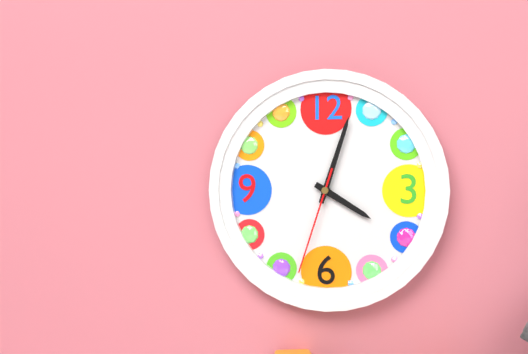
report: 4h03m33s
